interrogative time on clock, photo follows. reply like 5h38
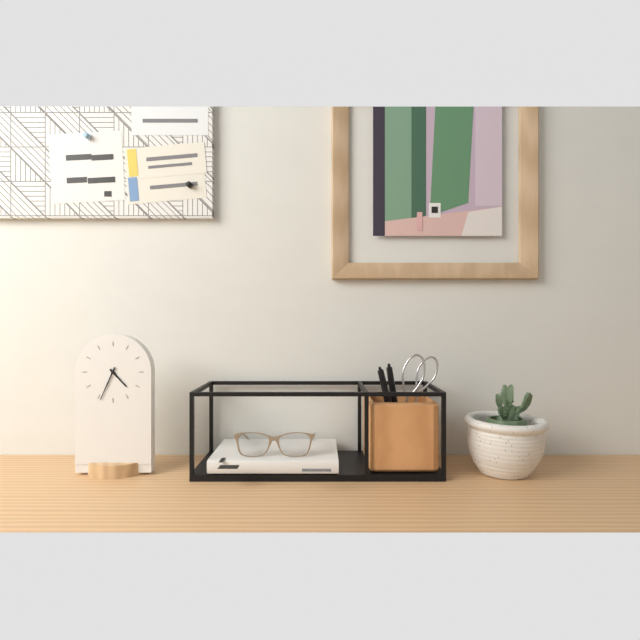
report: 4h34
